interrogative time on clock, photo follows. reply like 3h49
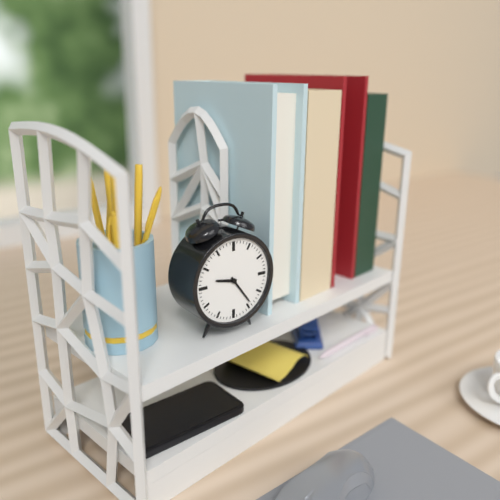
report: 9h24
